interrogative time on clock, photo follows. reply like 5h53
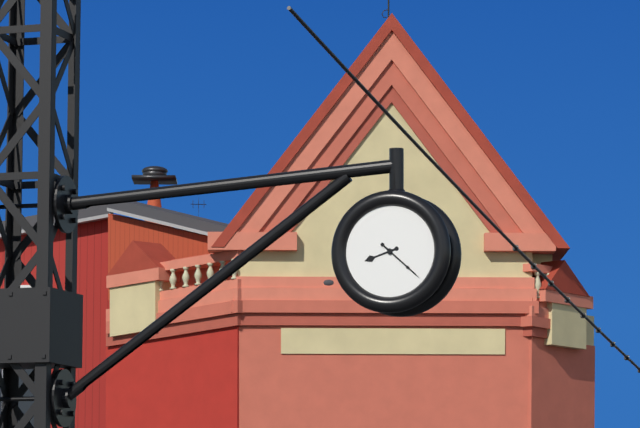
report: 8h22
